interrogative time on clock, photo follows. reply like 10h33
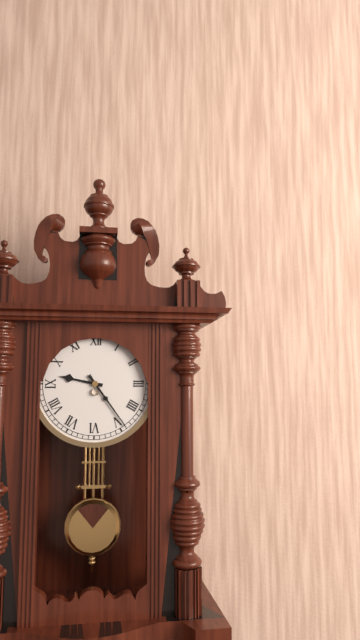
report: 9h24
